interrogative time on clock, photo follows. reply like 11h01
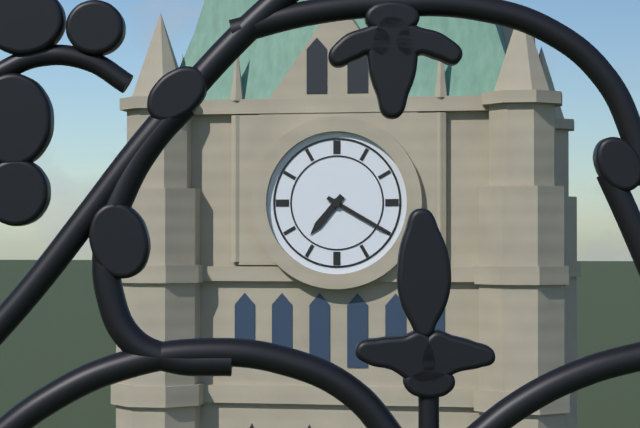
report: 7h20
